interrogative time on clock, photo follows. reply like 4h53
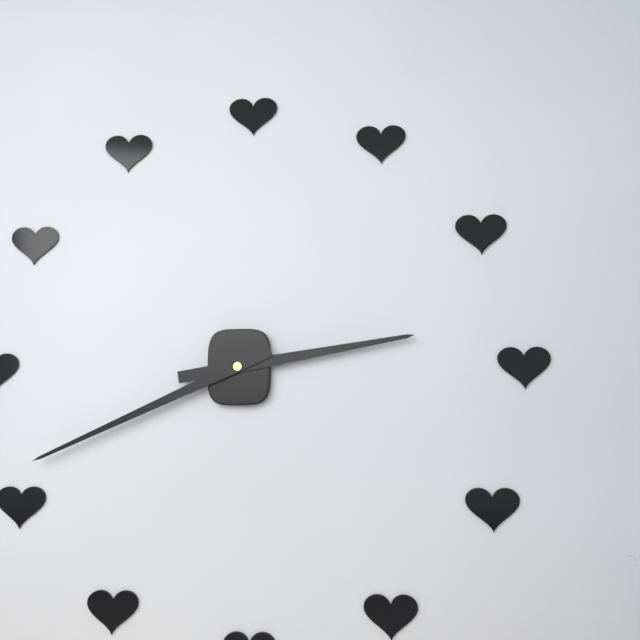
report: 2h41
